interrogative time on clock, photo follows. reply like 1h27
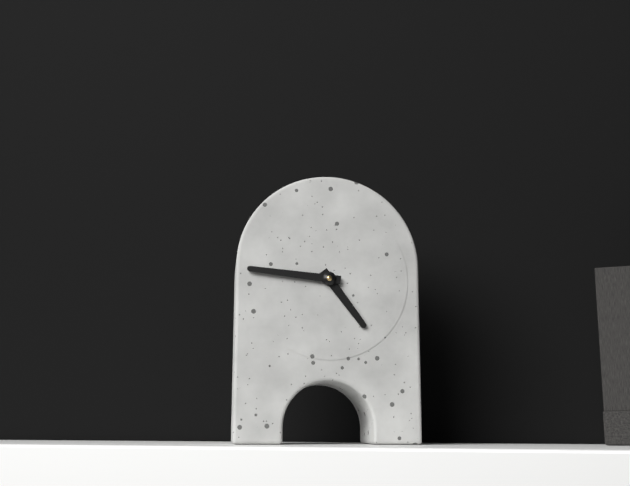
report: 4h46
